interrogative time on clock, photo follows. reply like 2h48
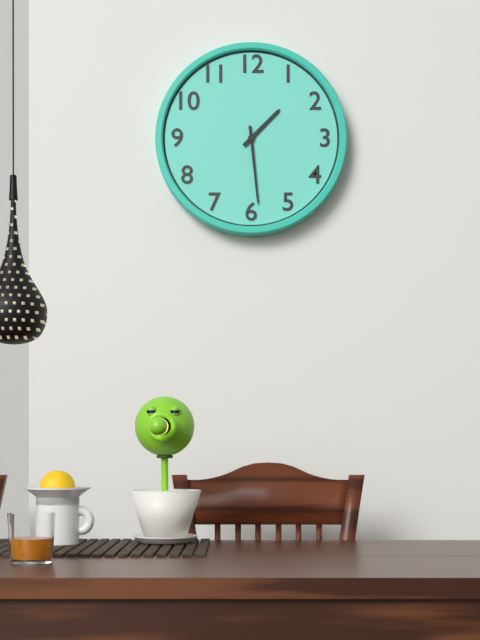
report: 1h29
